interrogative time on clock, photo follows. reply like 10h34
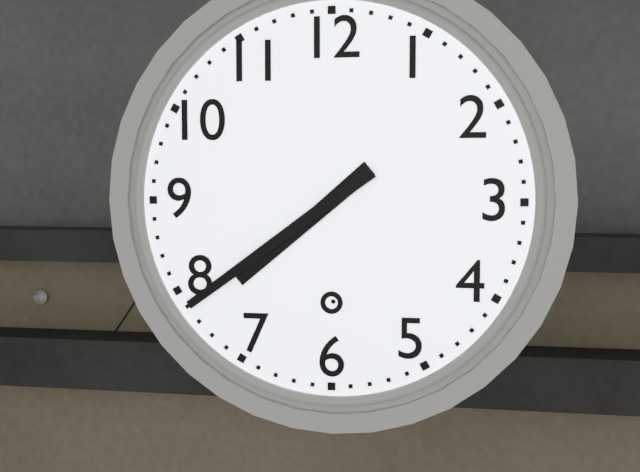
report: 7h39
